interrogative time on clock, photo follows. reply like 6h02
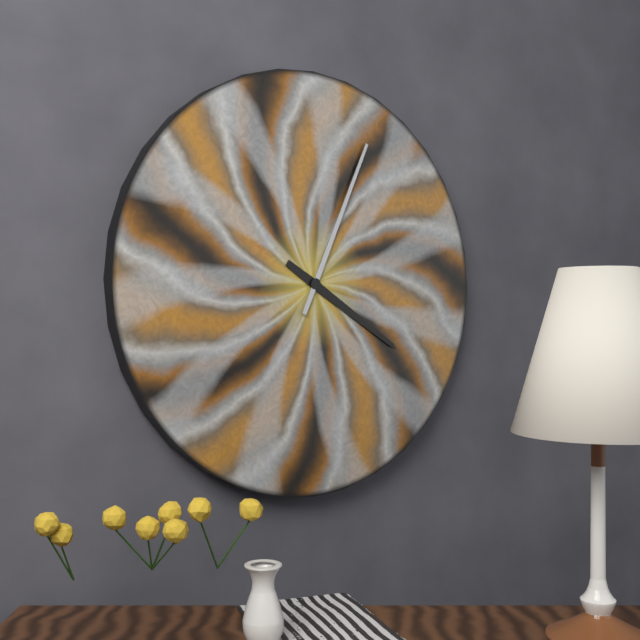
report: 4h04
